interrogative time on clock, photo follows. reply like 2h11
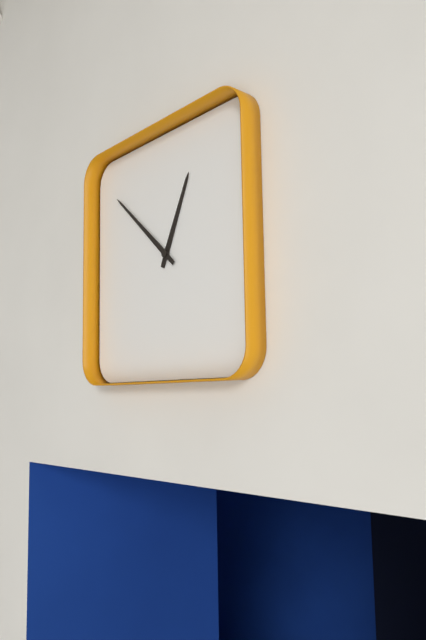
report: 12h52
